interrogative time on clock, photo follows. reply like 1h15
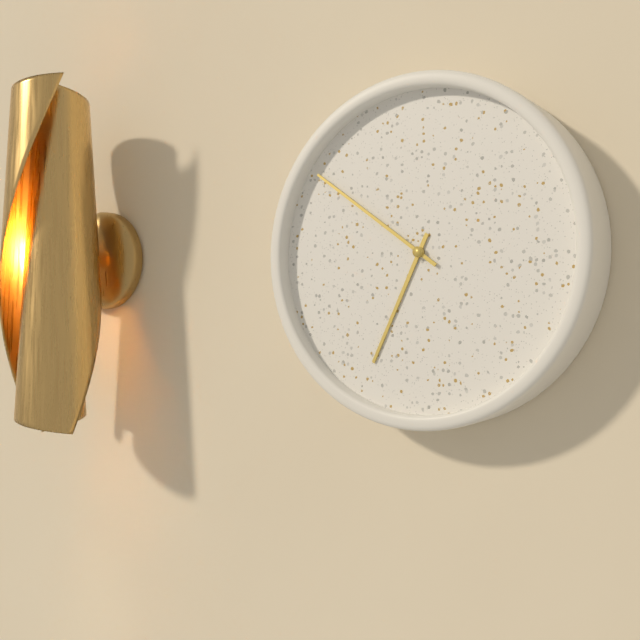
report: 6h51
